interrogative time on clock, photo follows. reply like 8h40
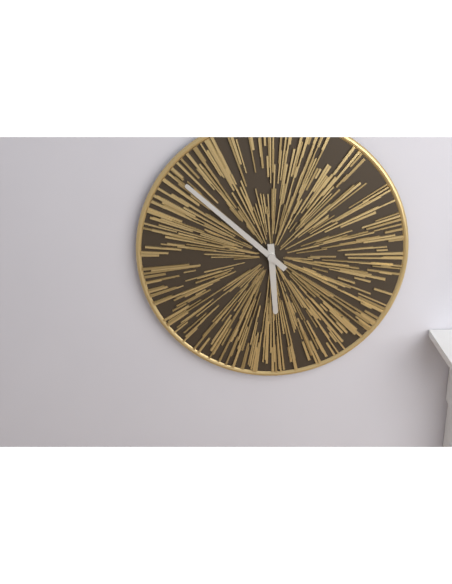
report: 5h52
